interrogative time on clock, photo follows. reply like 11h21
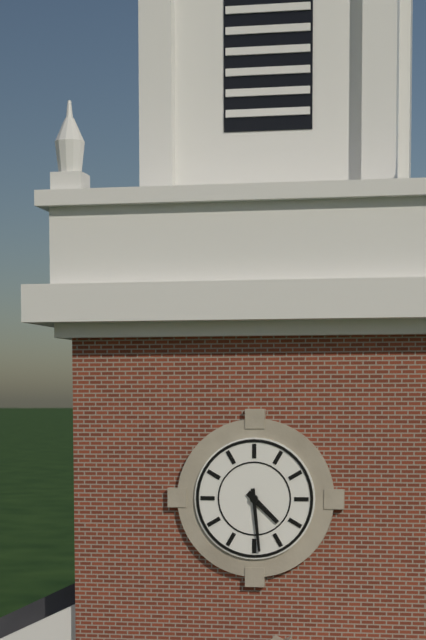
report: 4h29
